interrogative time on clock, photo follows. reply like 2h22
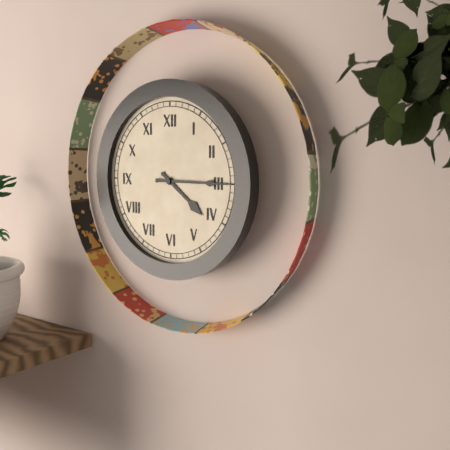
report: 4h15
